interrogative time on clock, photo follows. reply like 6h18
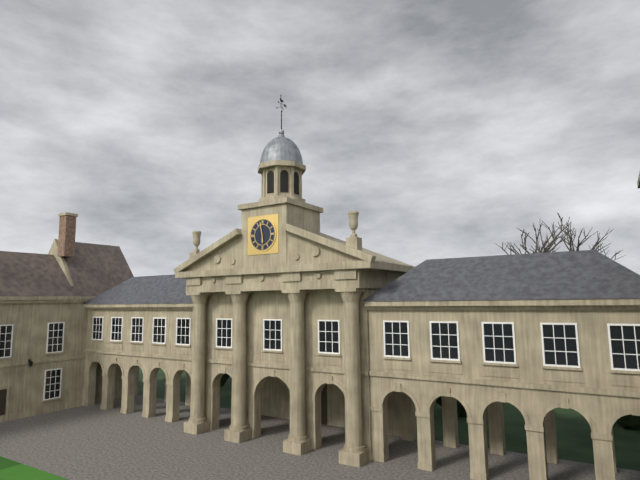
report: 5h58
